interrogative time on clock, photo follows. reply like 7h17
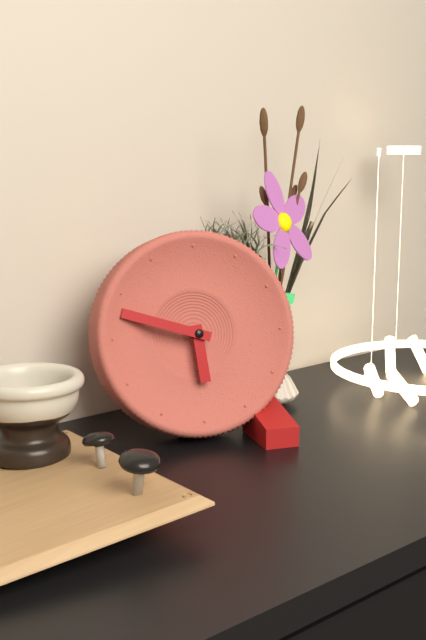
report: 5h48
